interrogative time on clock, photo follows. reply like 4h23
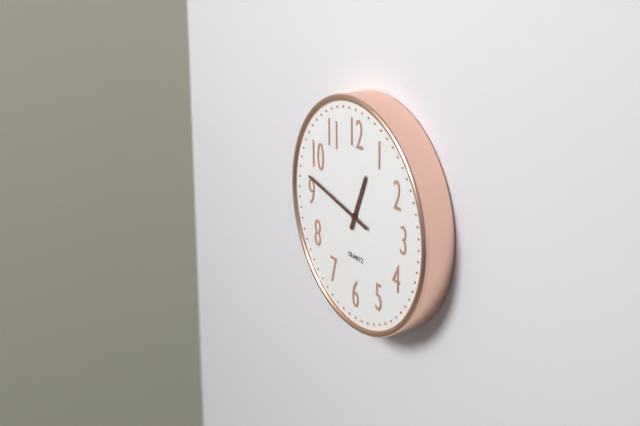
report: 12h47
